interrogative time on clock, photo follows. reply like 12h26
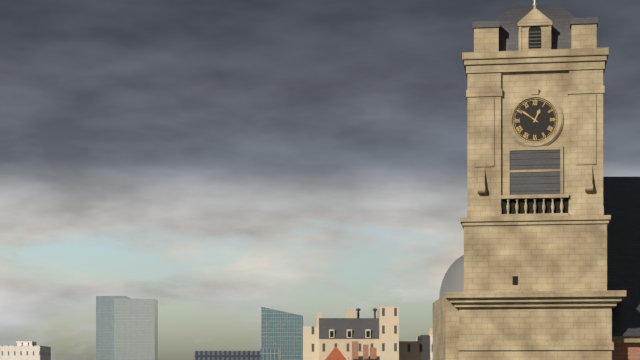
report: 12h51
